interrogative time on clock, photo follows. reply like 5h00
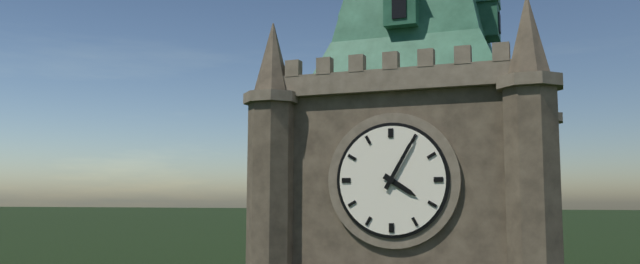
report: 4h05
